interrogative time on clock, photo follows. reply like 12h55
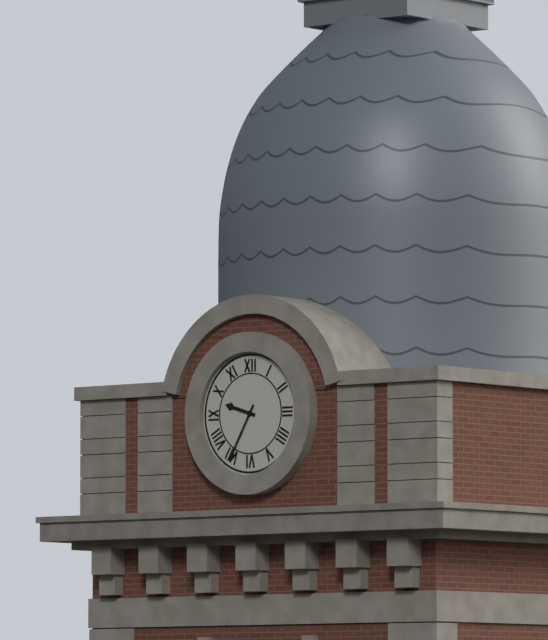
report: 9h35
